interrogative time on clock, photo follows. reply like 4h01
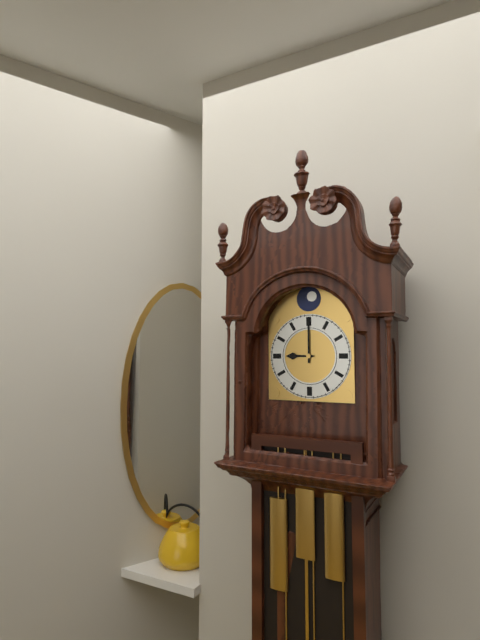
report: 9h00
